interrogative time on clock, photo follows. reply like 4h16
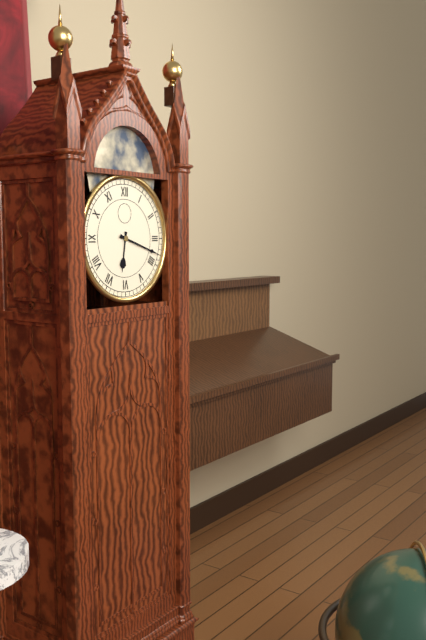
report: 6h18
